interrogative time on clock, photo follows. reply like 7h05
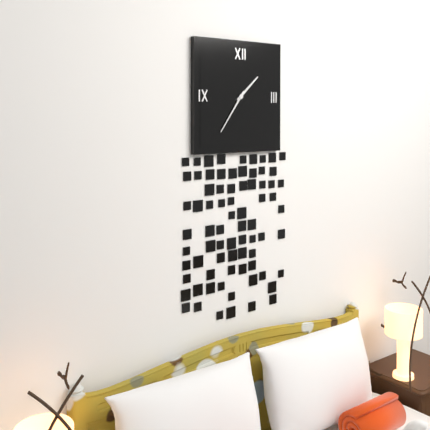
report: 1h36
